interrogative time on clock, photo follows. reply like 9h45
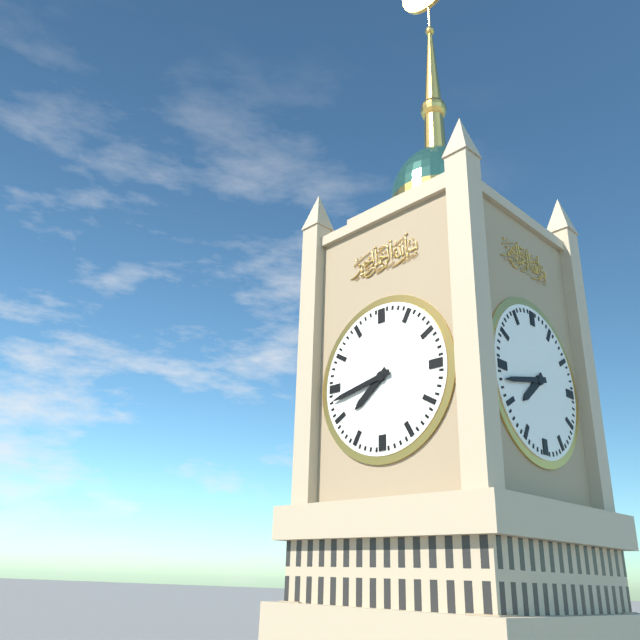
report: 7h43
